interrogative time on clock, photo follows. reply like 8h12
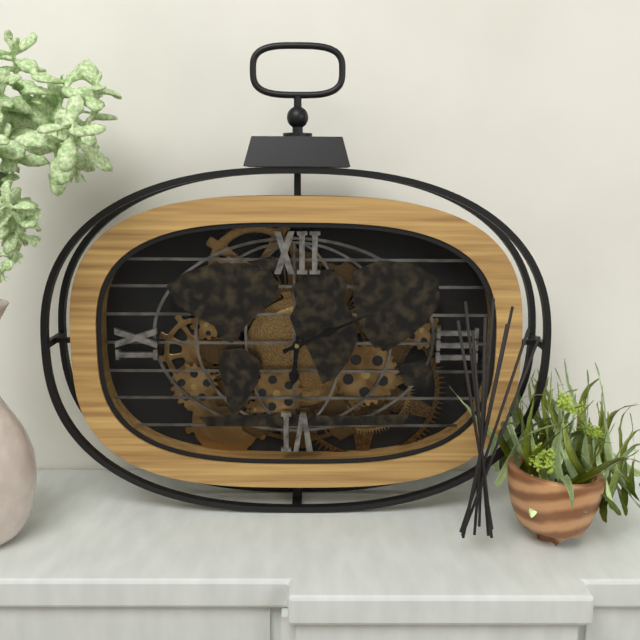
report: 6h11
